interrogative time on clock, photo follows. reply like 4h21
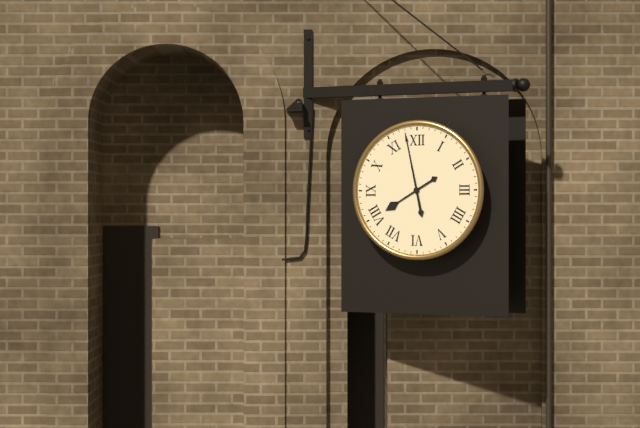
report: 7h58
